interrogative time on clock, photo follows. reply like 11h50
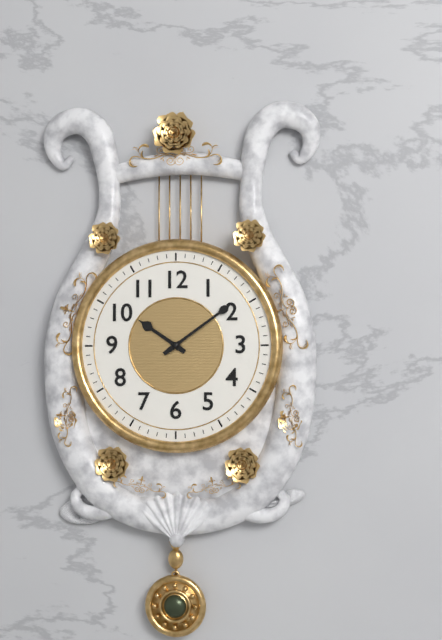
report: 10h09
